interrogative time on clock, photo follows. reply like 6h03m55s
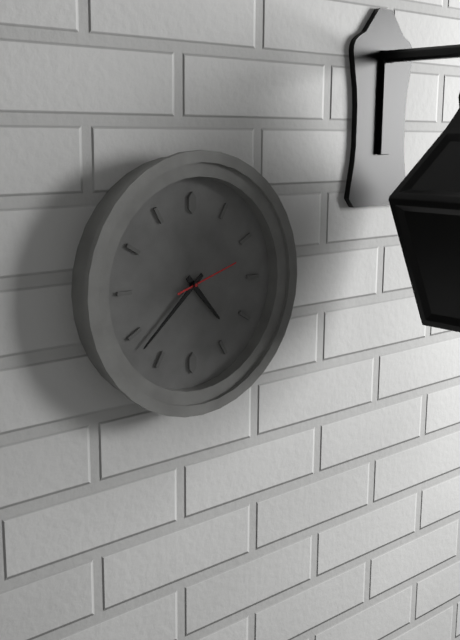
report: 4h38m12s
